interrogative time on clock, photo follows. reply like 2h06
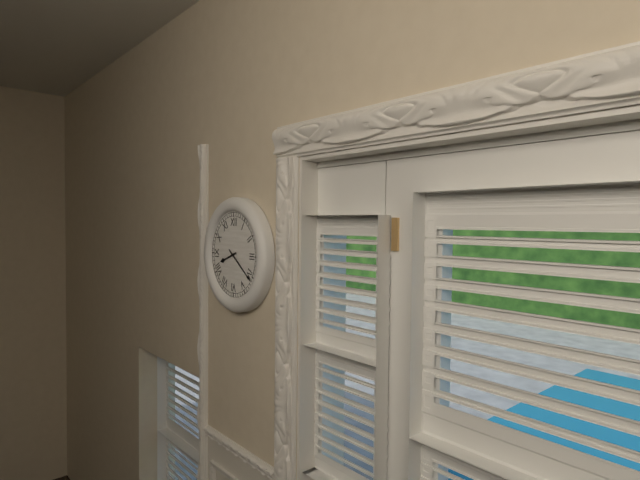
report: 8h21
